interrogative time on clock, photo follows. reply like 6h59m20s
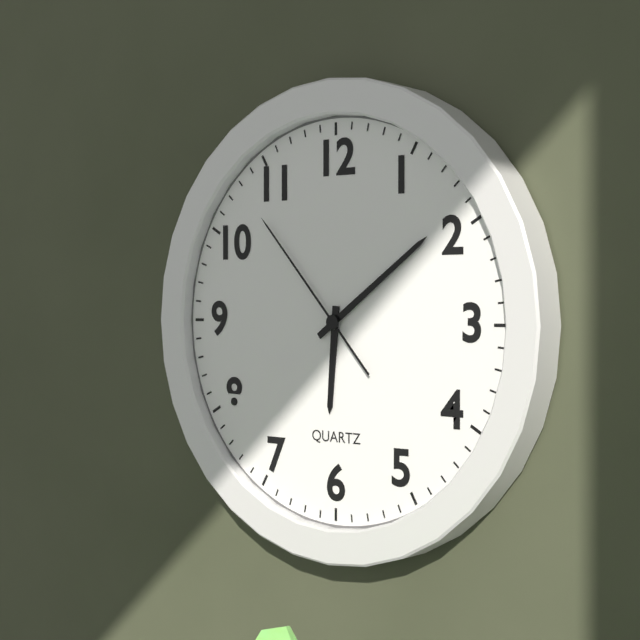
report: 6h09m53s
